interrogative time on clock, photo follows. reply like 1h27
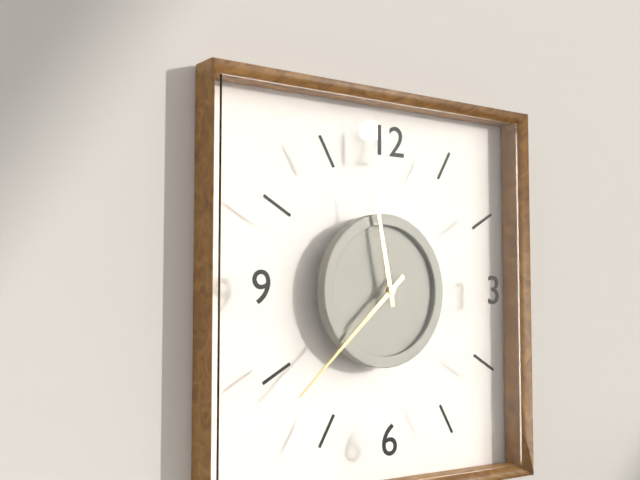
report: 11h38
